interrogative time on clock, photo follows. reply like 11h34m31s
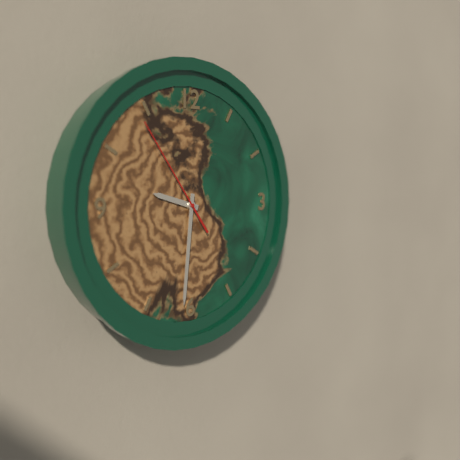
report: 9h31m54s
